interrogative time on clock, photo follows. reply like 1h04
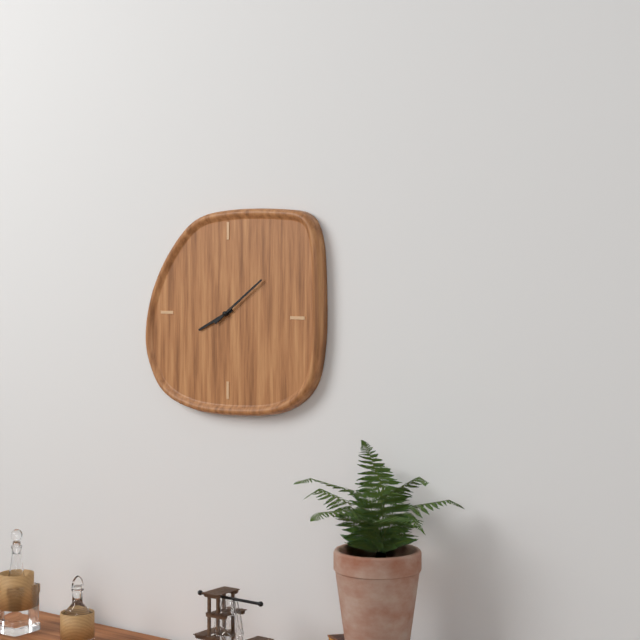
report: 8h09
